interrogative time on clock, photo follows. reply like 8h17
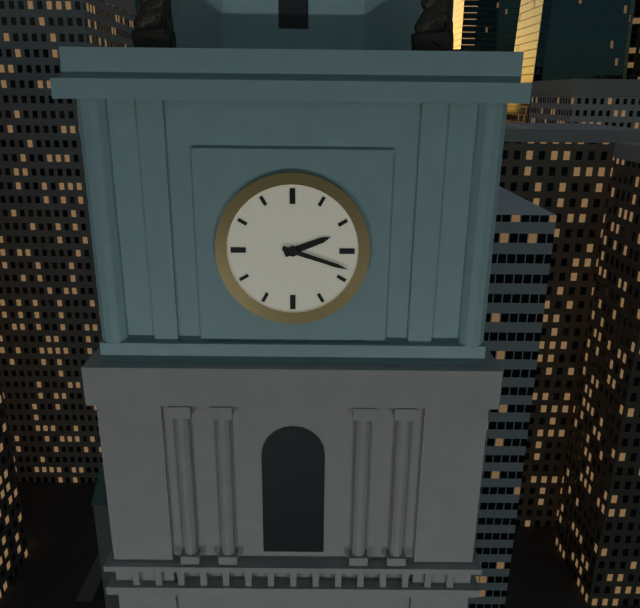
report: 2h18
